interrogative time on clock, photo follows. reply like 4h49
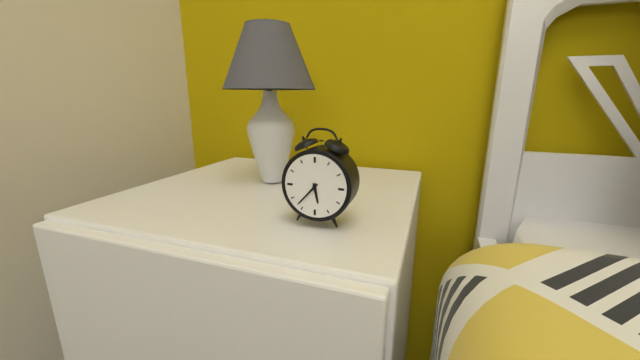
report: 5h37
